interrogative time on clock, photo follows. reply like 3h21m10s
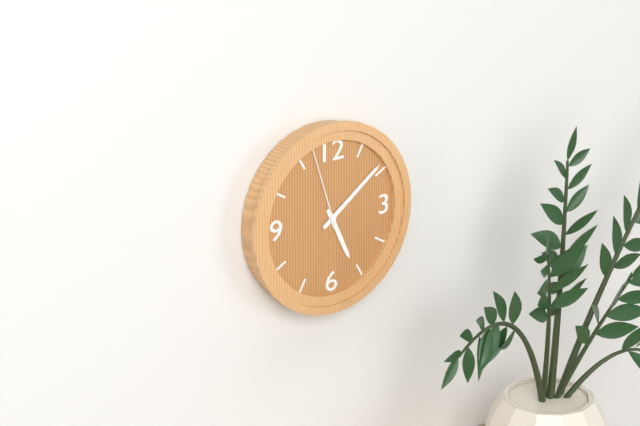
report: 5h09m57s
